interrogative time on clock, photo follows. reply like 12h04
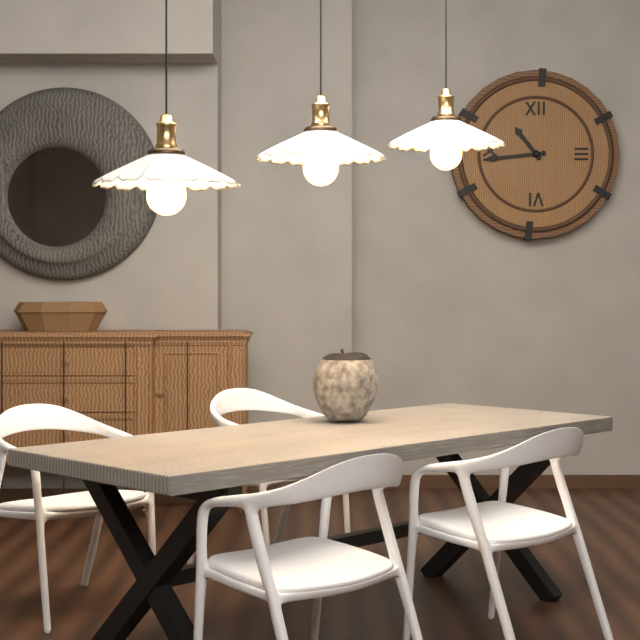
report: 10h44
